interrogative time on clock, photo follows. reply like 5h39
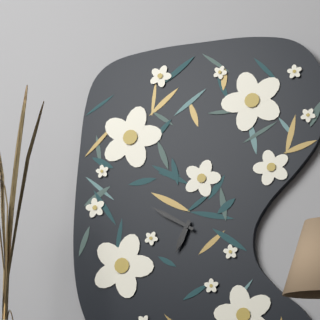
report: 6h50
